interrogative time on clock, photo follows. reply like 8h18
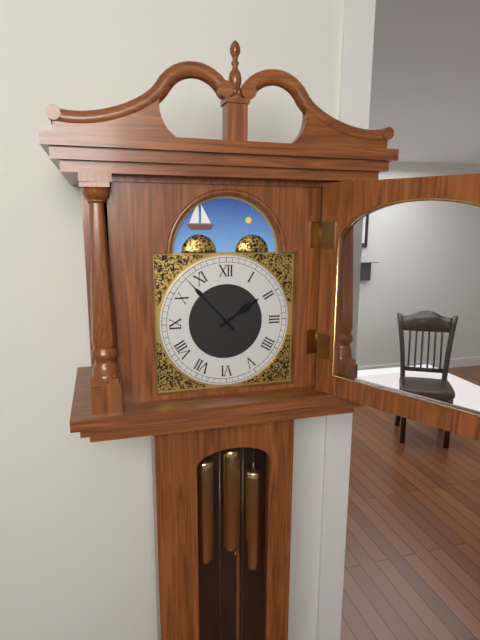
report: 1h53
